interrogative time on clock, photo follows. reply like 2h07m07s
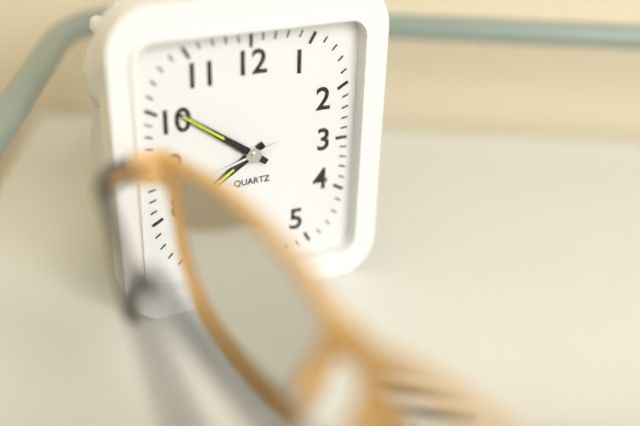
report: 7h51m42s
